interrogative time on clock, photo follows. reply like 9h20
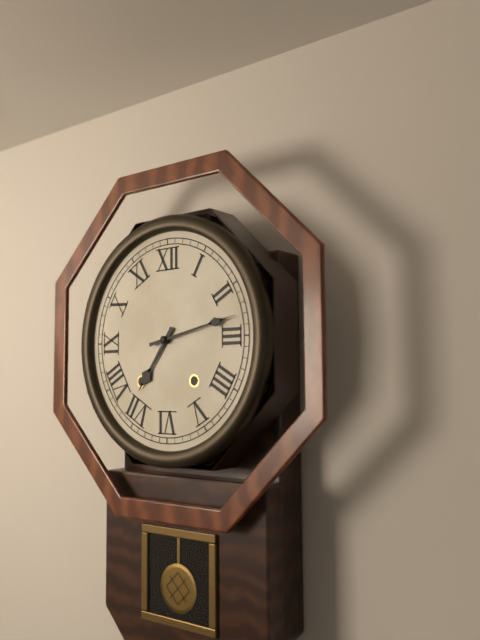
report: 7h13
